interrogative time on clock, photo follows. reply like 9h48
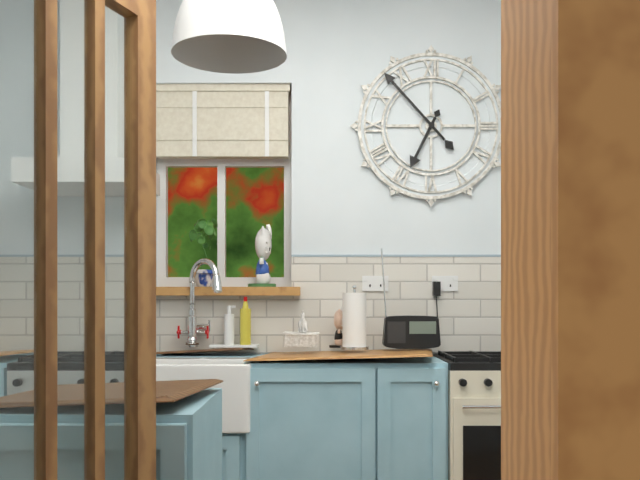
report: 6h53
